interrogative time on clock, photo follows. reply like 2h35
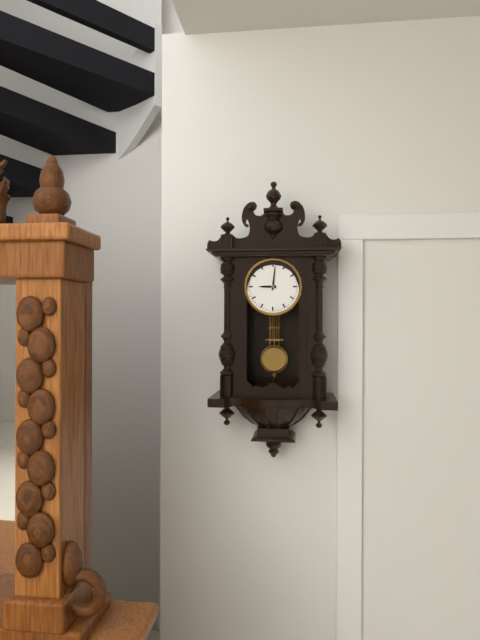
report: 9h01
